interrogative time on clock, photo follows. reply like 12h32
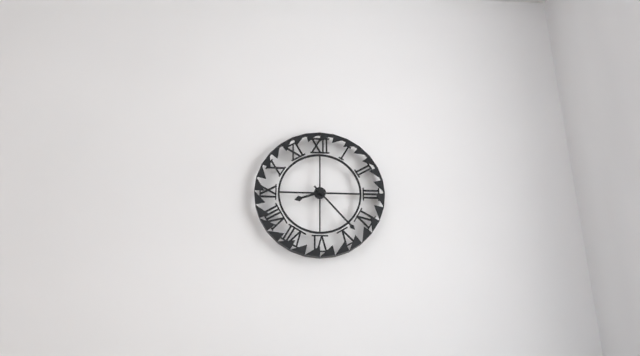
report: 8h23
